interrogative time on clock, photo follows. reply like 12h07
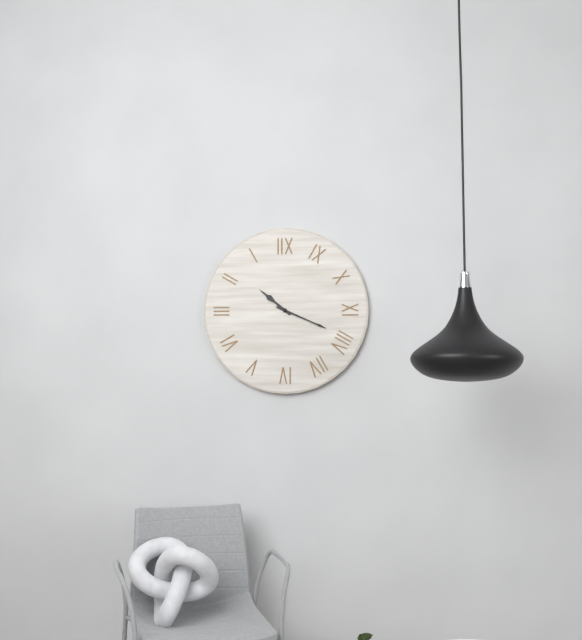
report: 10h19
